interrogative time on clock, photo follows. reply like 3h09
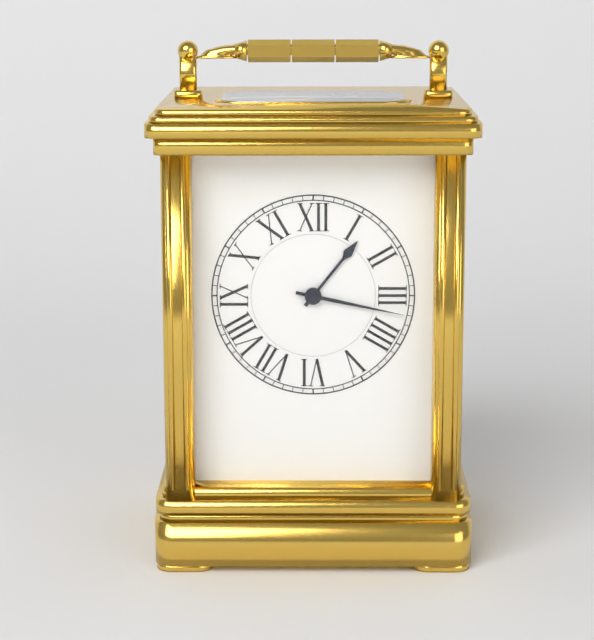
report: 1h17
